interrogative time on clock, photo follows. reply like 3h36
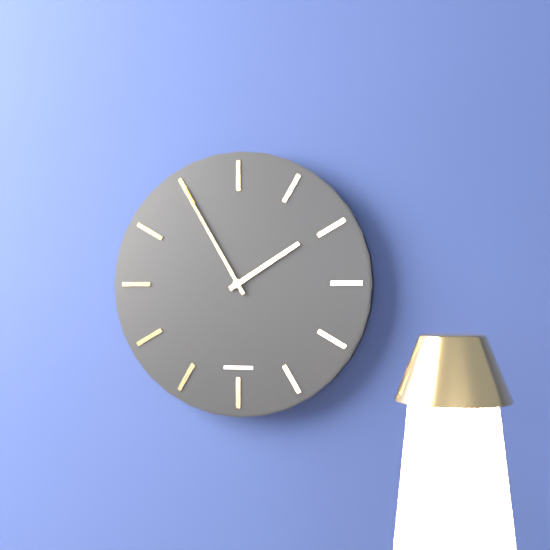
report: 1h55
